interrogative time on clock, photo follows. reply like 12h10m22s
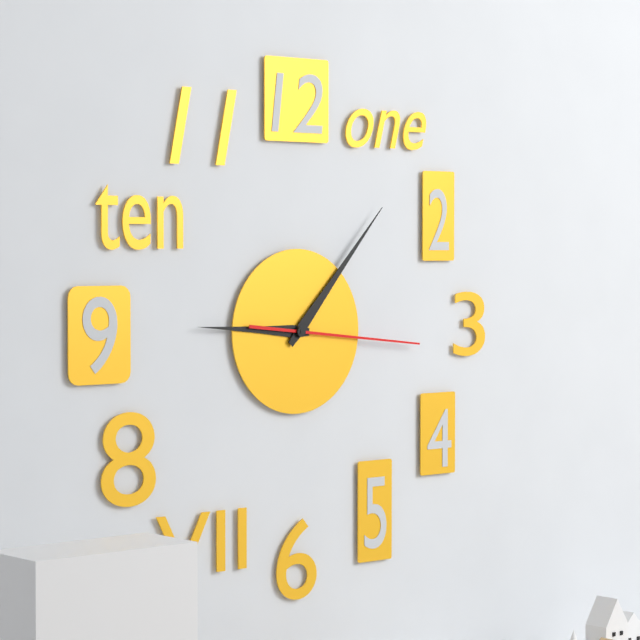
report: 9h07m16s
